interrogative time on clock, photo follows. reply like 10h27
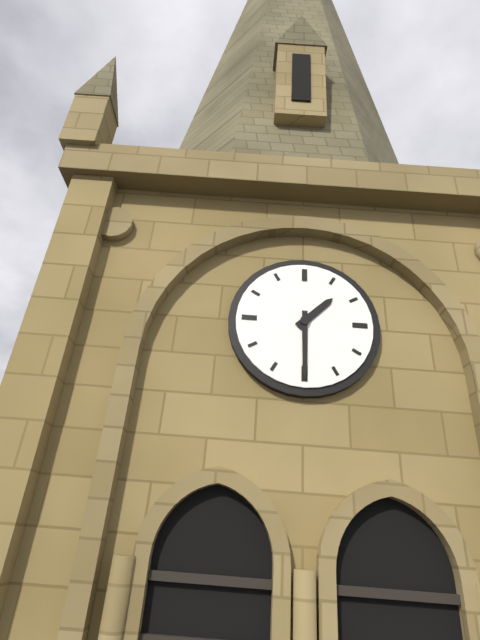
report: 1h30
